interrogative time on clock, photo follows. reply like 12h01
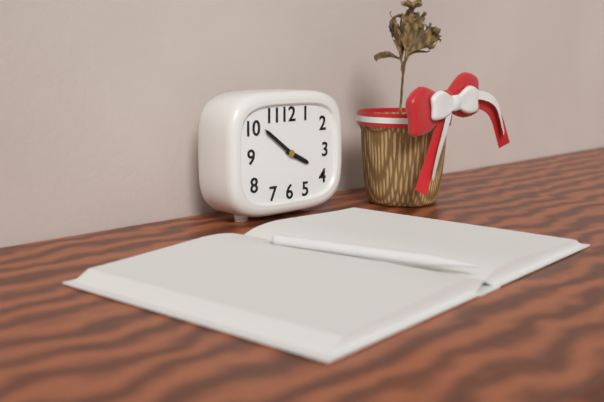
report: 3h51
